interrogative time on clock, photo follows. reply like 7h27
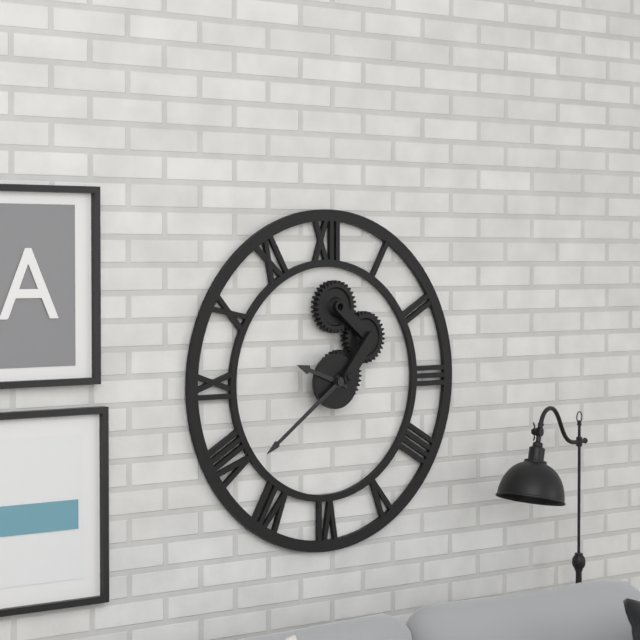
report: 9h39
